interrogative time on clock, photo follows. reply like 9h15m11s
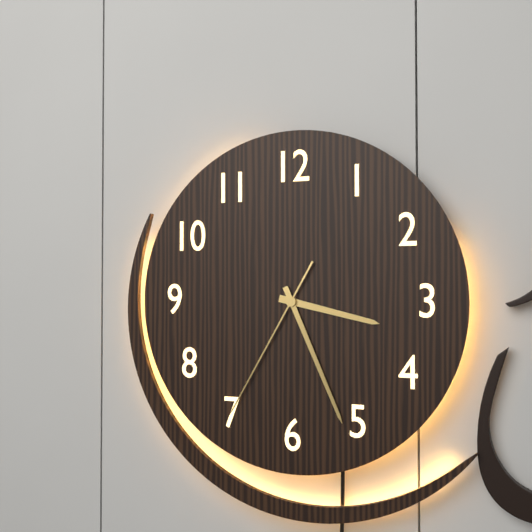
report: 3h26m35s
